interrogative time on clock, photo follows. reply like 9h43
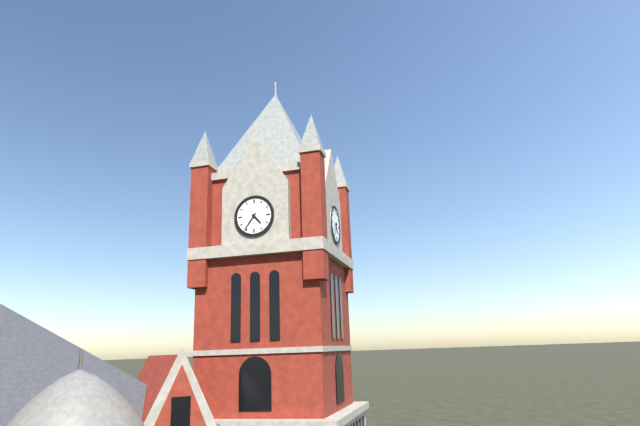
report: 4h36
